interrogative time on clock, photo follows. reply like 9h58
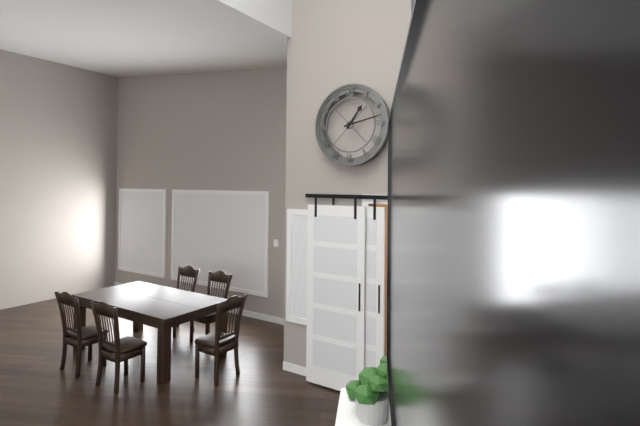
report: 1h13
